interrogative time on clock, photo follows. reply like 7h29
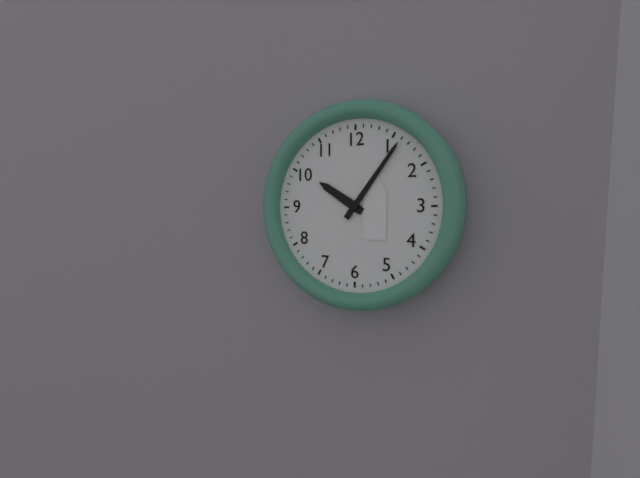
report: 10h06
